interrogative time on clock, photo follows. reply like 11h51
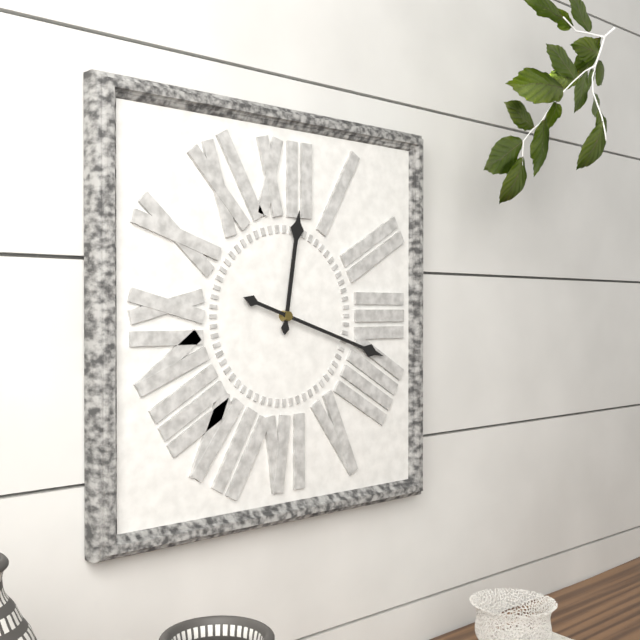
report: 12h18
